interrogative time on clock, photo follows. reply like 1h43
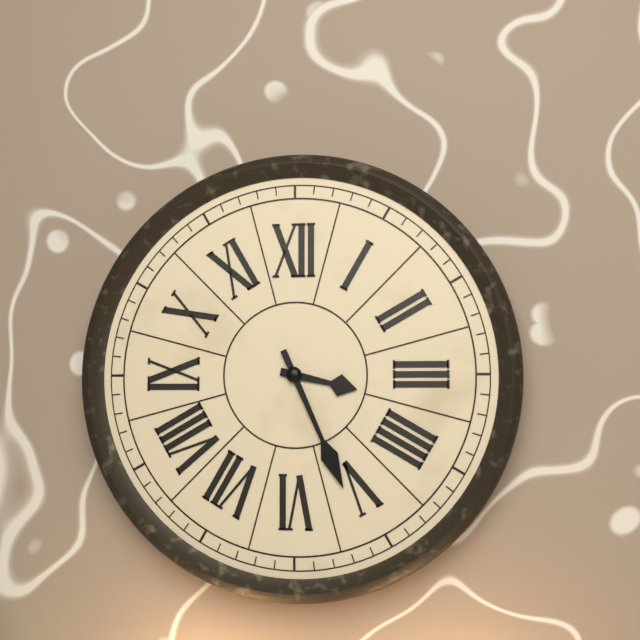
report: 3h26
